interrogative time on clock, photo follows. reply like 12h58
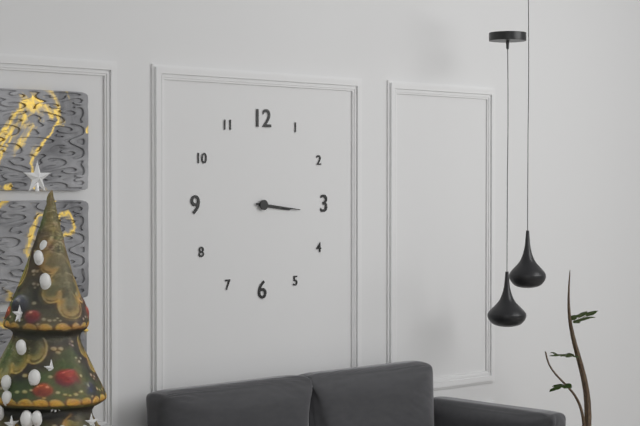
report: 3h16
